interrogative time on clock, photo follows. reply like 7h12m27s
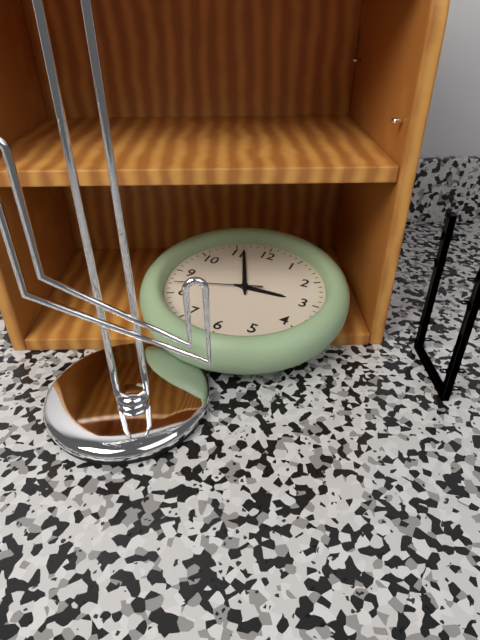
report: 2h56m42s
